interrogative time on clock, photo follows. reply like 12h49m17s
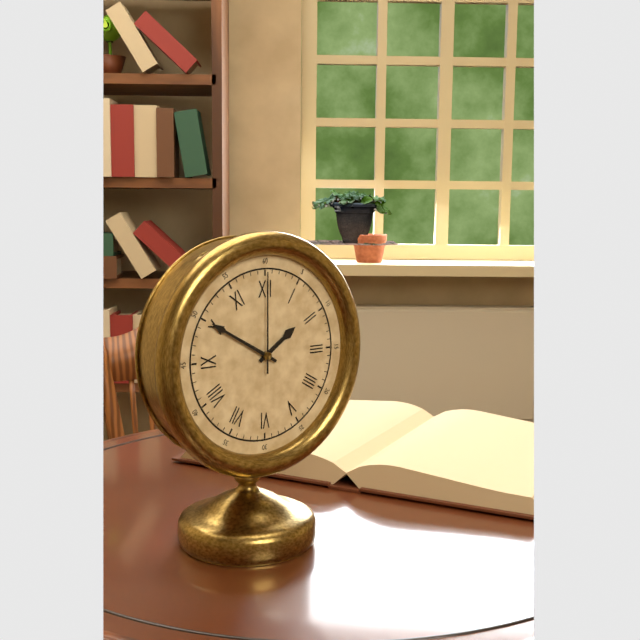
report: 1h50m00s
